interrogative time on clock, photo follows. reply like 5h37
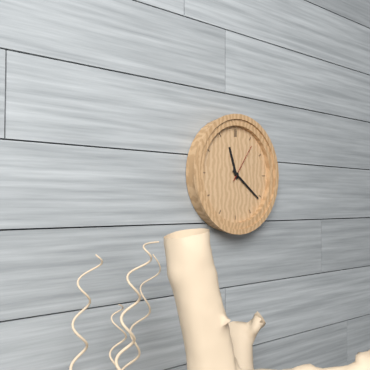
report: 11h21
